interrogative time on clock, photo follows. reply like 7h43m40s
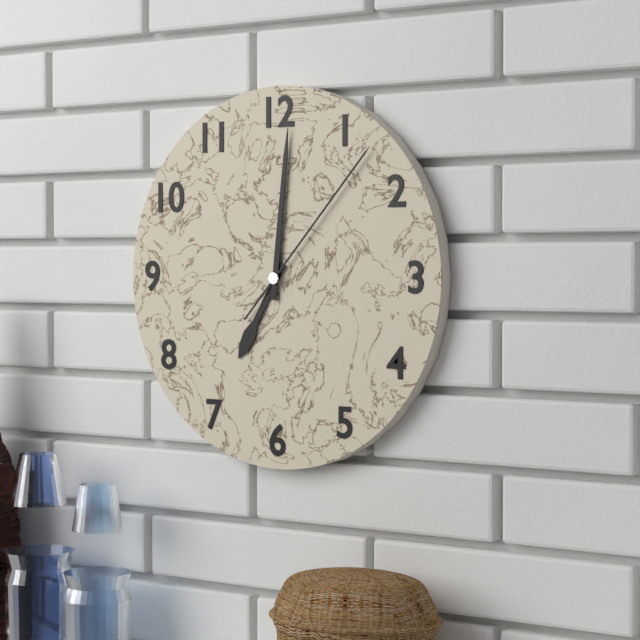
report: 7h01m07s
